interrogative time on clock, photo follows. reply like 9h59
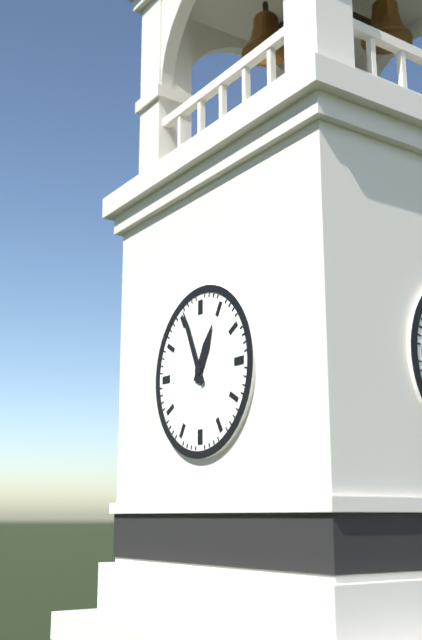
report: 12h56
